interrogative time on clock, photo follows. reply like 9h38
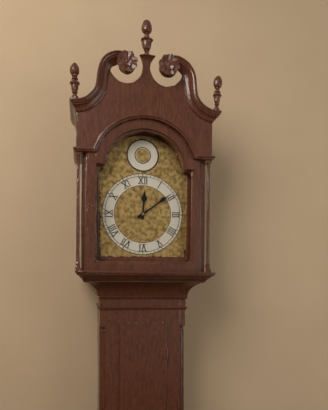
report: 12h09
